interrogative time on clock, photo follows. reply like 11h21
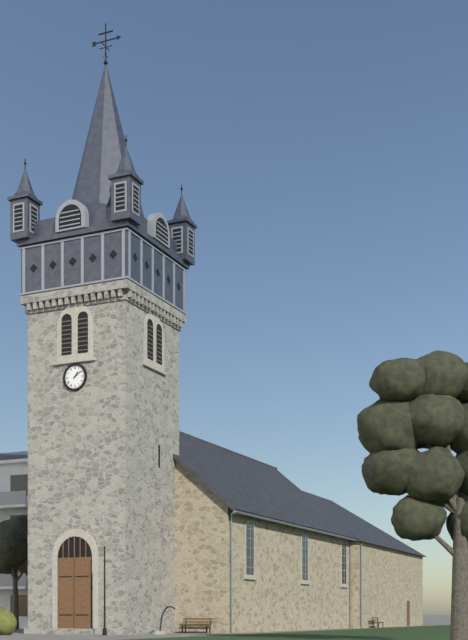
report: 1h09
